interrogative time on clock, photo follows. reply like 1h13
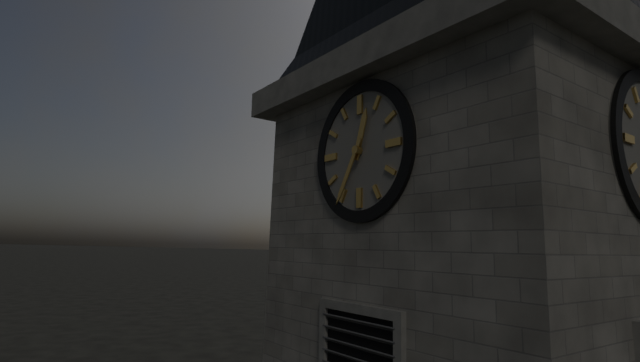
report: 12h35
